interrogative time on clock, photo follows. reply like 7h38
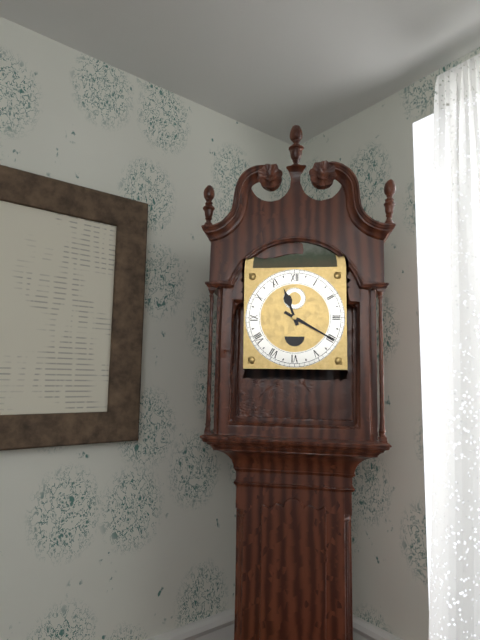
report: 11h20
